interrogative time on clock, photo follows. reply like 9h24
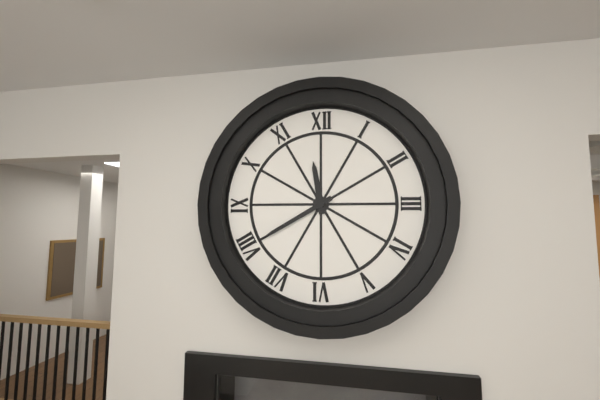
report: 11h40
